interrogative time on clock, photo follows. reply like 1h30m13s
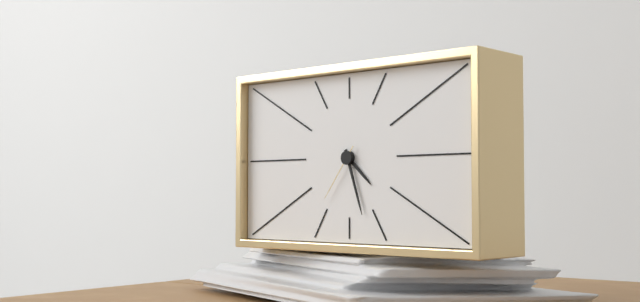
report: 4h27m36s
